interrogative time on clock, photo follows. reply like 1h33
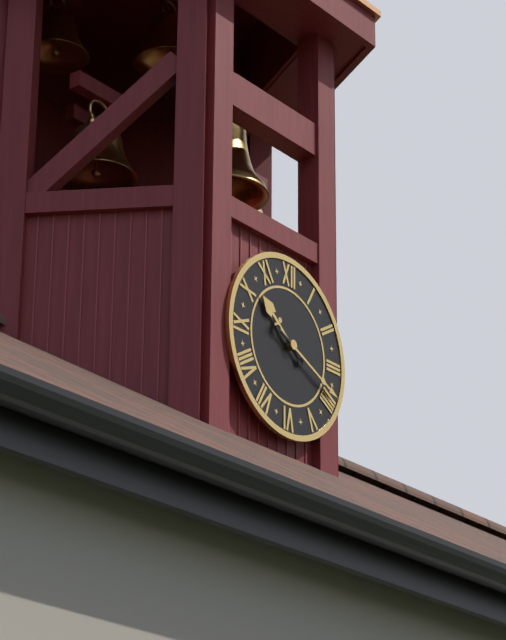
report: 10h19
